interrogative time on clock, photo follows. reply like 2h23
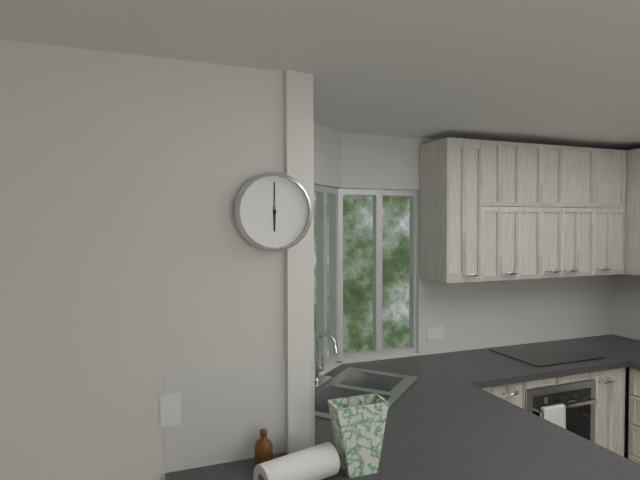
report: 6h00
